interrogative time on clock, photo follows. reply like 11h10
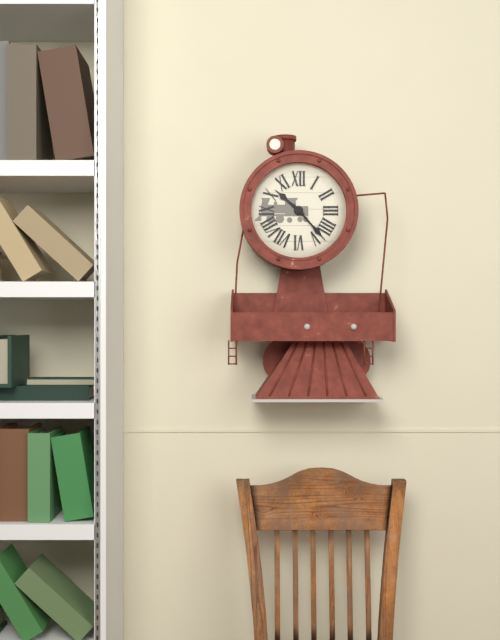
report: 10h23
